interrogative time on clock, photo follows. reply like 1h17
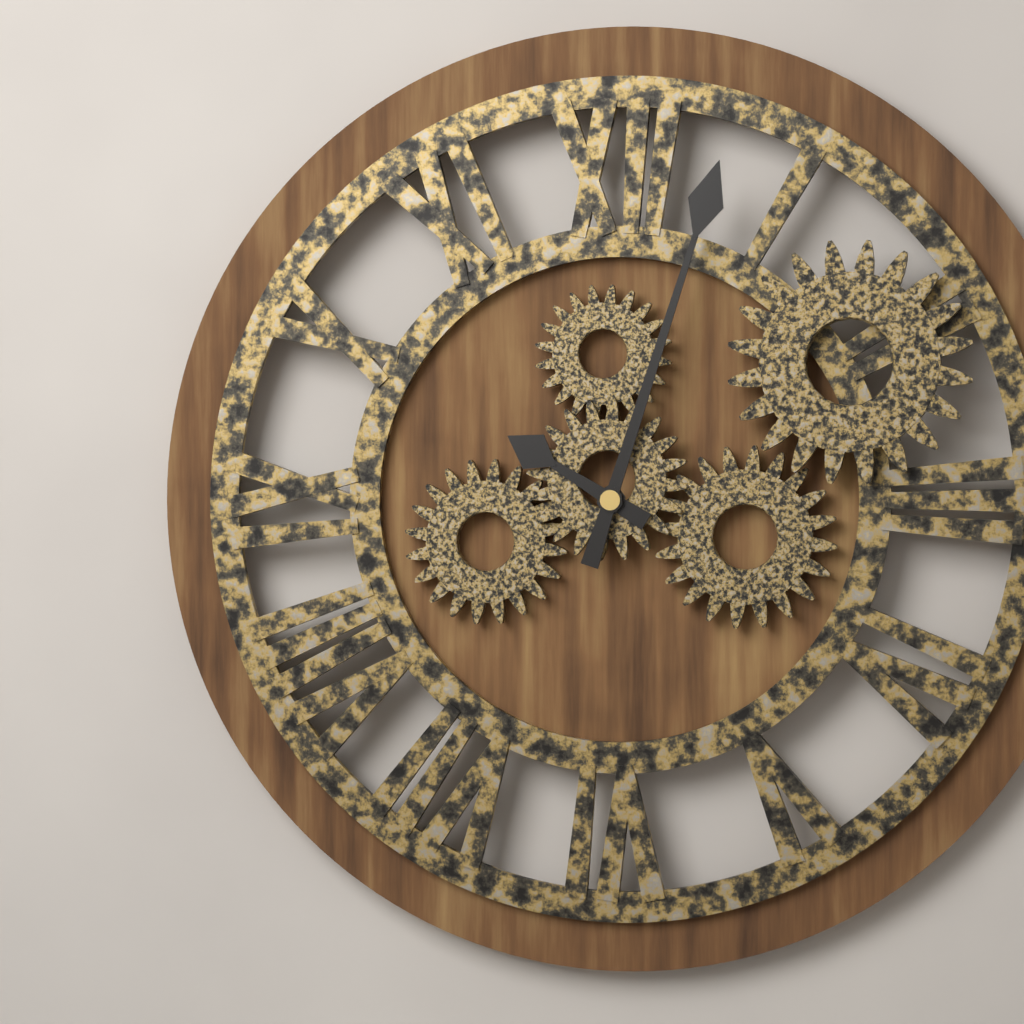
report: 10h03
